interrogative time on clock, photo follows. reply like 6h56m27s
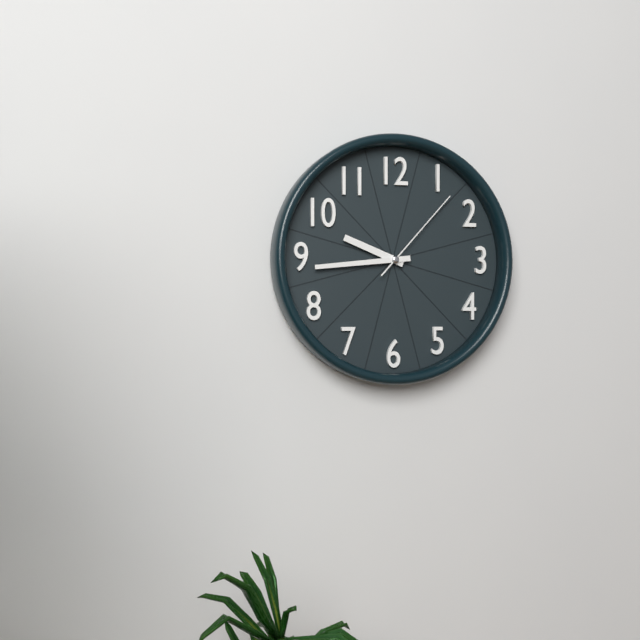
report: 9h44m07s
